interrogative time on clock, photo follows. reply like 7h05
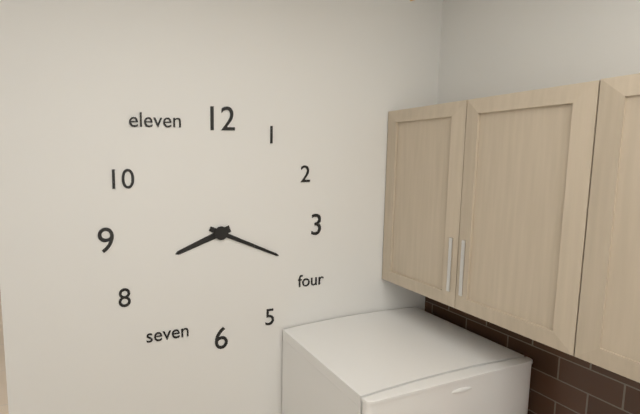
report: 8h19
